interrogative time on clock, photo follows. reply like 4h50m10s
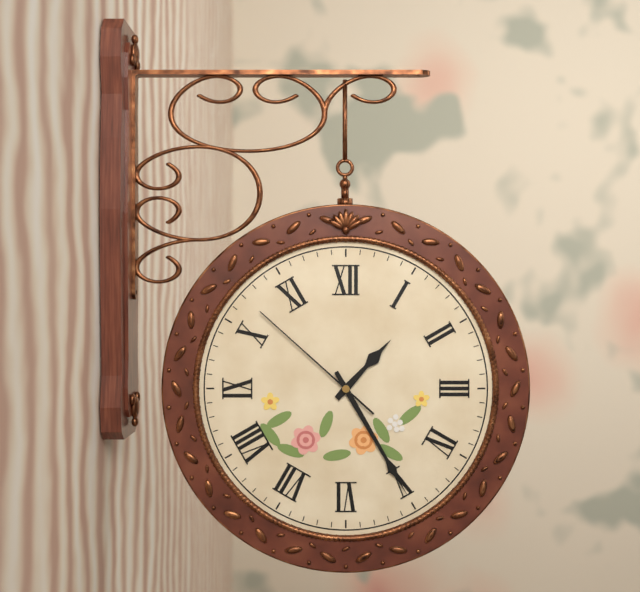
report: 1h25m52s
